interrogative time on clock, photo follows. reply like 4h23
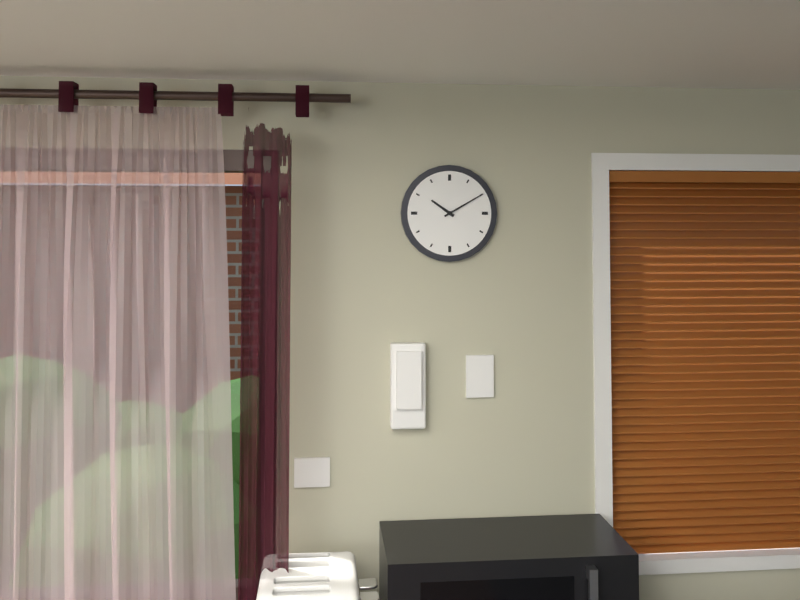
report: 10h10
